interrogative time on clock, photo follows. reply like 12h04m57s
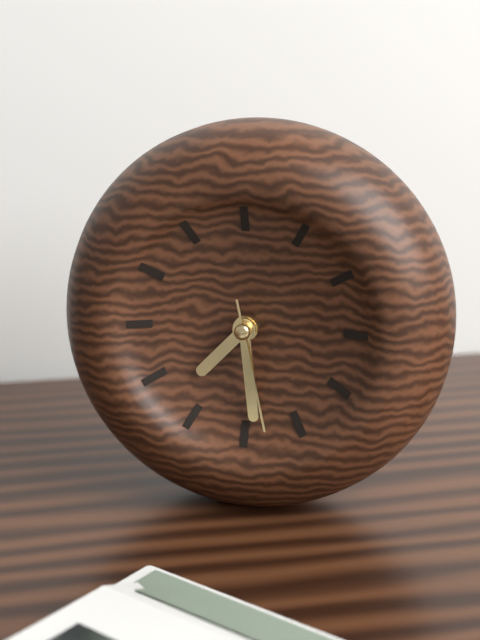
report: 7h29m28s
